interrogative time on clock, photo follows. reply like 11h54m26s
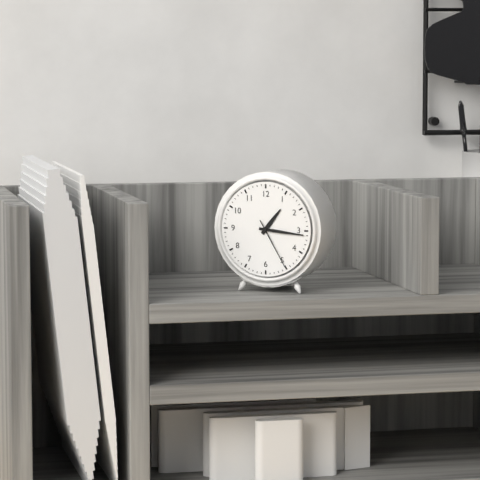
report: 1h16m25s
